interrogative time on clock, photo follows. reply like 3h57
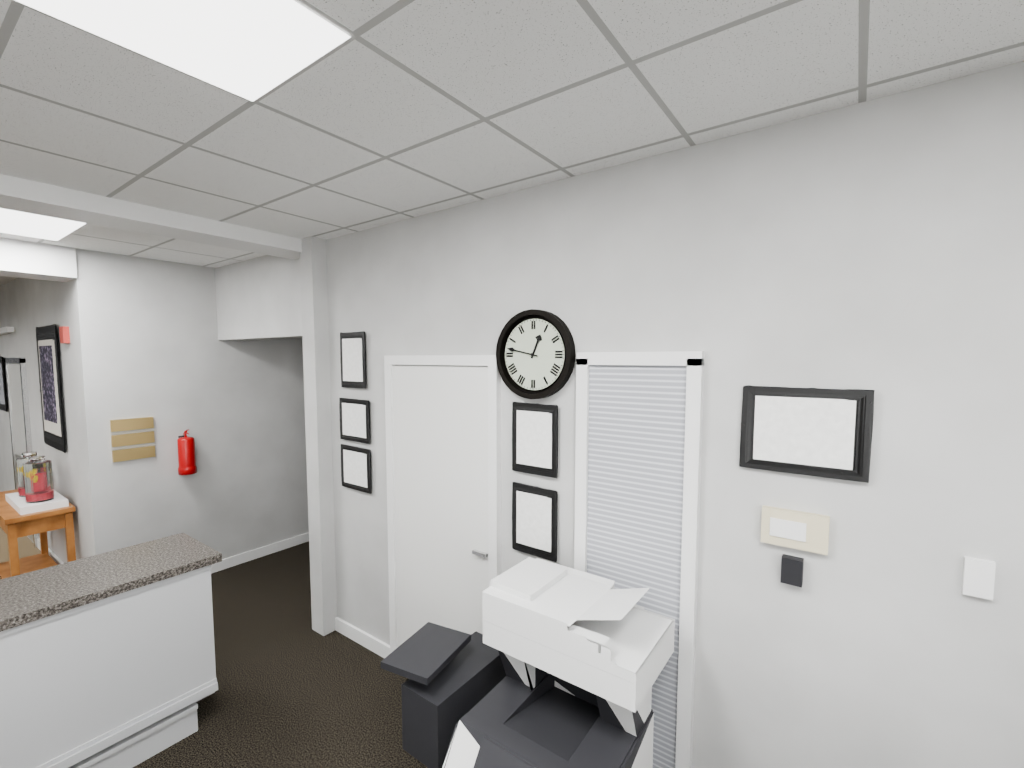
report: 12h47
